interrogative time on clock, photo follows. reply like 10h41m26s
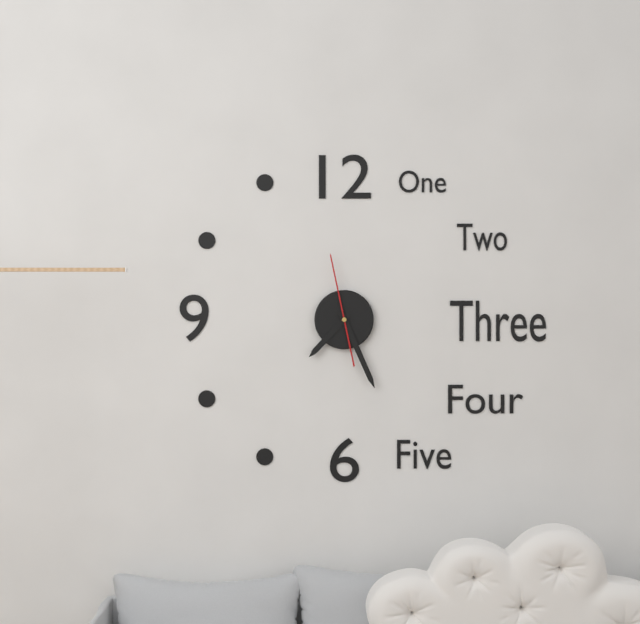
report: 7h26m58s
